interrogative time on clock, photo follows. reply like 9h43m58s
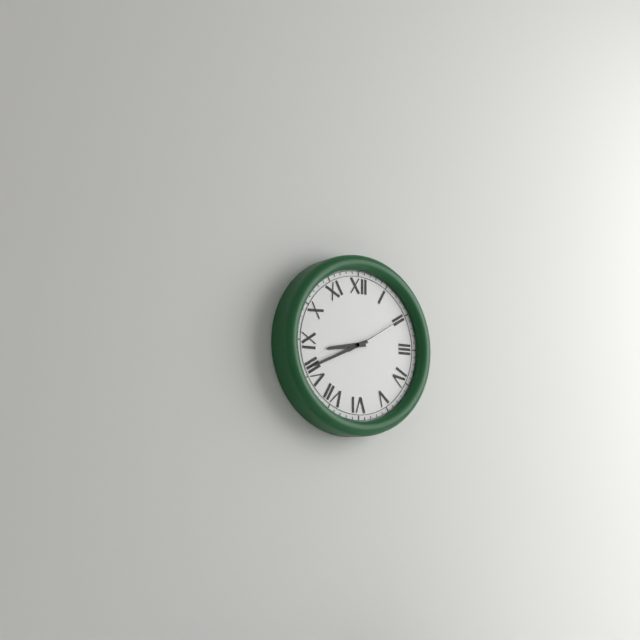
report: 8h41m10s
